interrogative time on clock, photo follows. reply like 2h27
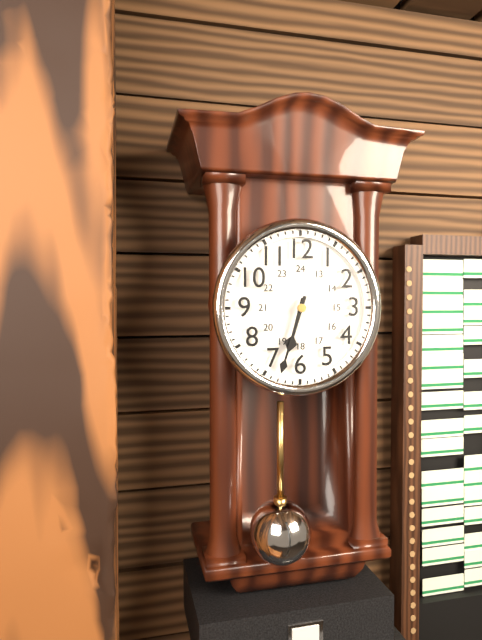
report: 6h33
